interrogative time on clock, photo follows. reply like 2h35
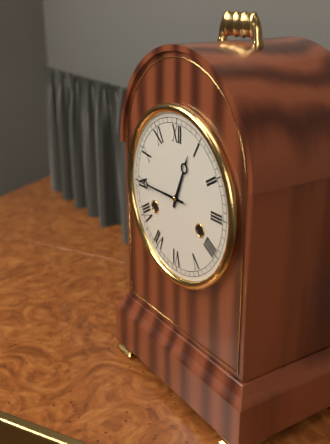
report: 12h45
